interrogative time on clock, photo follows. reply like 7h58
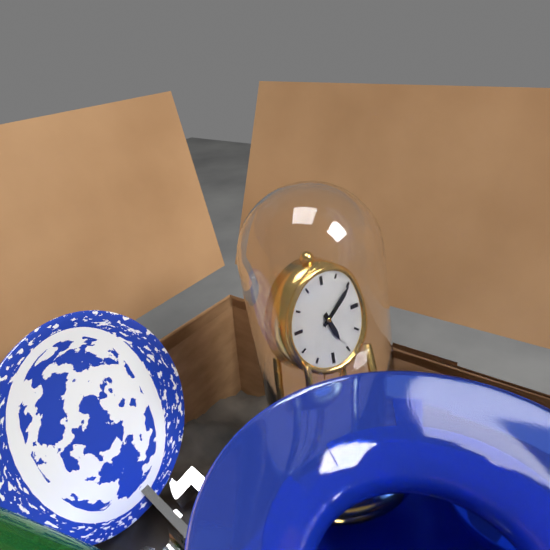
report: 5h10
